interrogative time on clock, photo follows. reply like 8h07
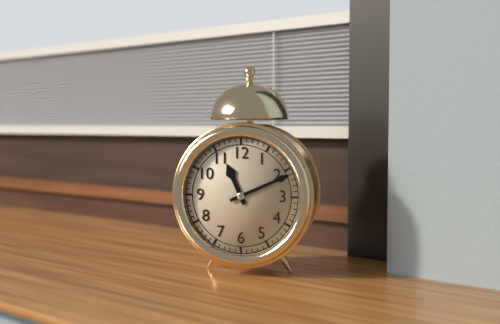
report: 11h11
